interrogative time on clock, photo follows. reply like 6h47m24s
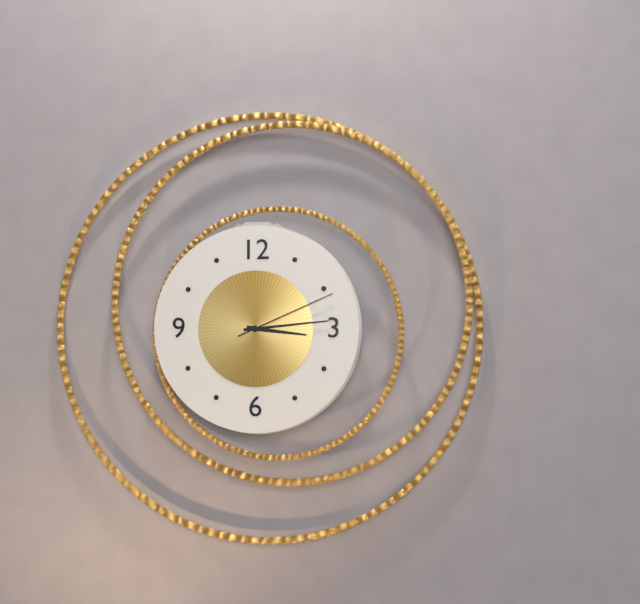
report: 3h14m11s
